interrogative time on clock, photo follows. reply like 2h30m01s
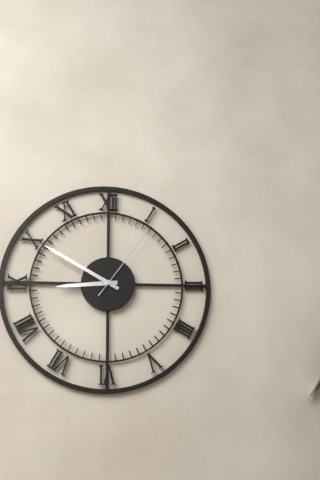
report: 8h50m06s
